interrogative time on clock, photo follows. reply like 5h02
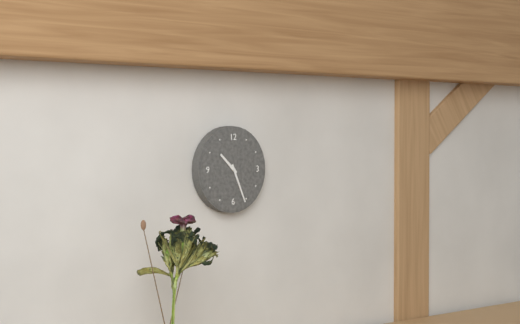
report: 10h26
